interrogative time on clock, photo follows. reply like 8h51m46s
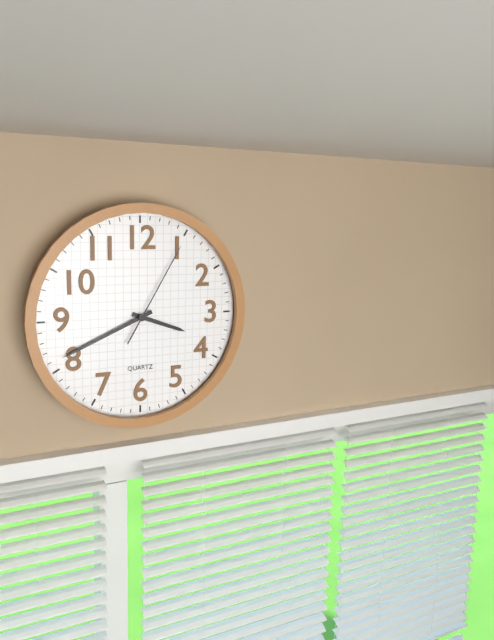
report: 3h41m05s
